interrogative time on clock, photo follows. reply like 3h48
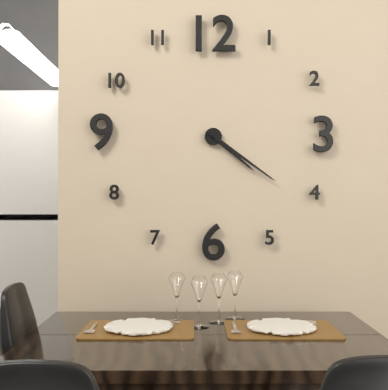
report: 4h21
